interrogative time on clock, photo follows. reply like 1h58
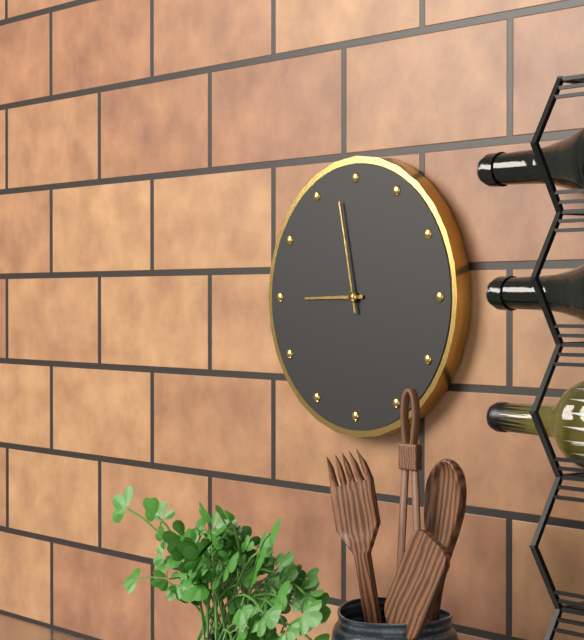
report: 8h58
